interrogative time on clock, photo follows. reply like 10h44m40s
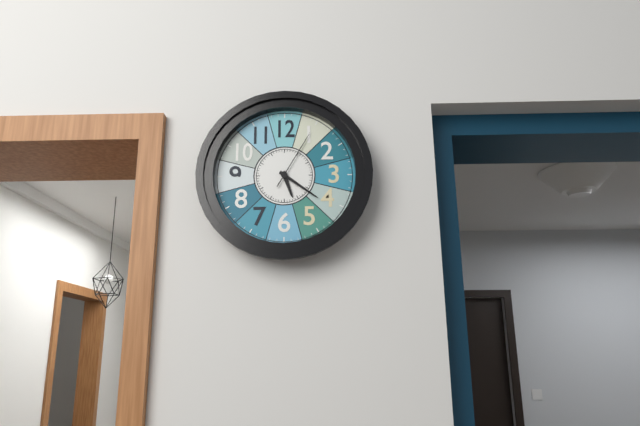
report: 5h21m05s
